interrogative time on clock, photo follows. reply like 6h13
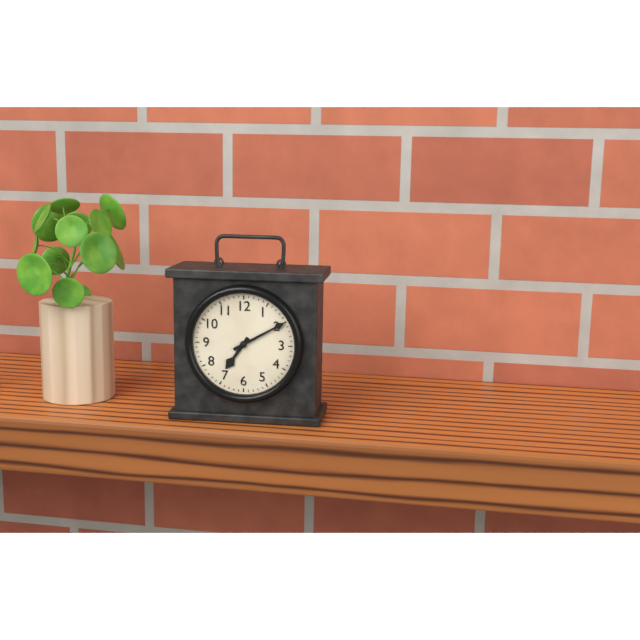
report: 7h10
